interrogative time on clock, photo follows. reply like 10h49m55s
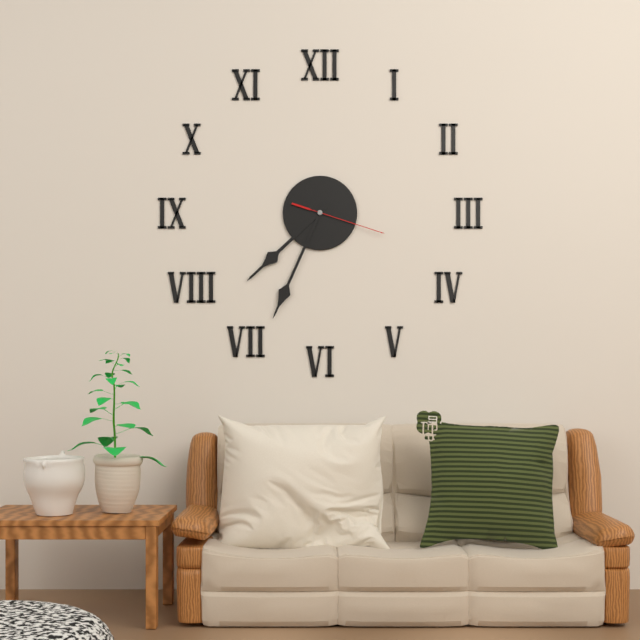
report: 7h34m18s
